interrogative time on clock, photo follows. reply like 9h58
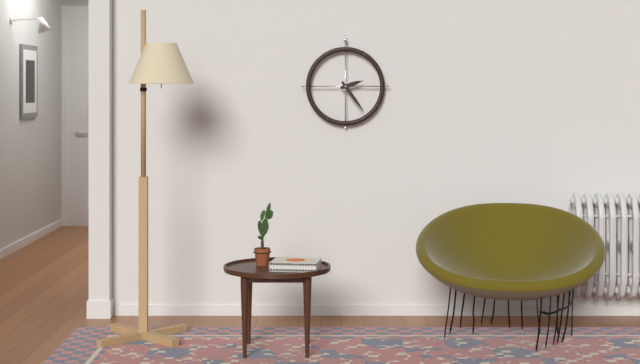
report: 2h24
